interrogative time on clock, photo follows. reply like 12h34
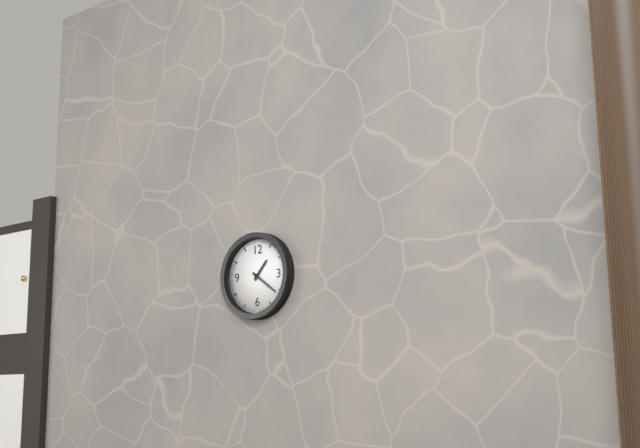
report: 1h21
